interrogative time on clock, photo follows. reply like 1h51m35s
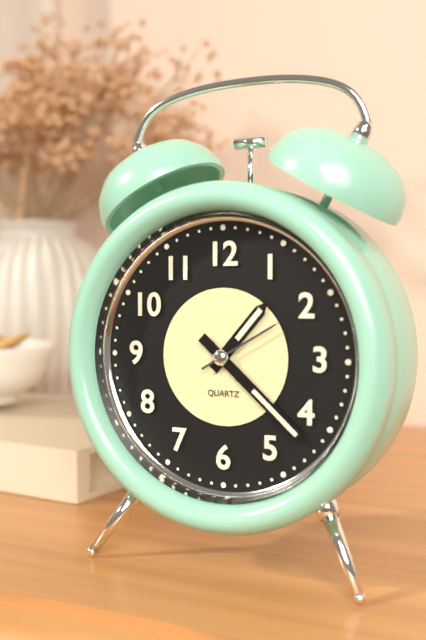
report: 1h22m10s
